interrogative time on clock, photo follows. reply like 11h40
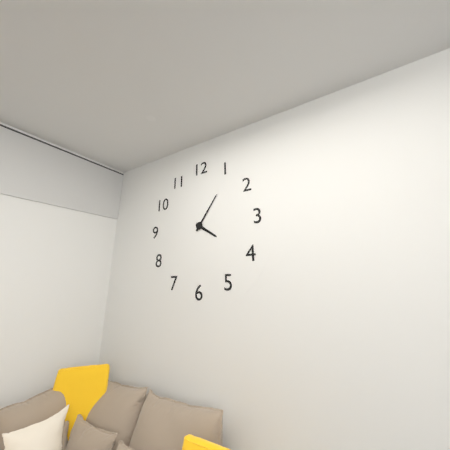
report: 4h06
